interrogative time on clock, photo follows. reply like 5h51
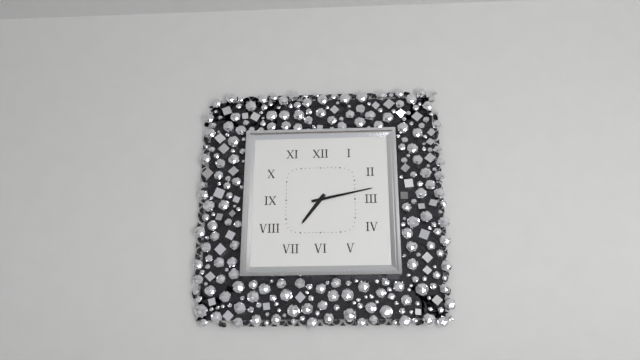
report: 7h13
